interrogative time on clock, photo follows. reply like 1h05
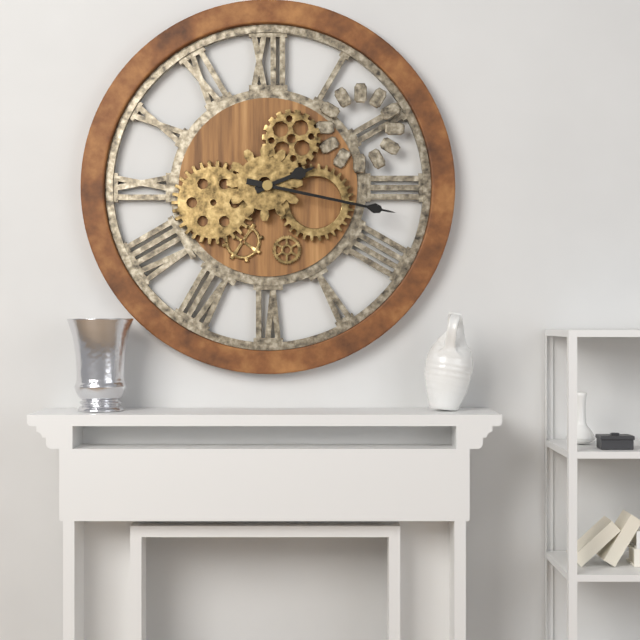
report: 2h17
